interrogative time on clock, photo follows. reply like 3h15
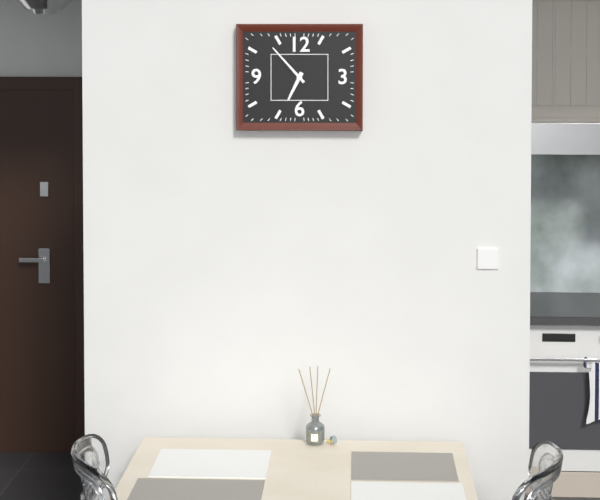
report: 6h53
